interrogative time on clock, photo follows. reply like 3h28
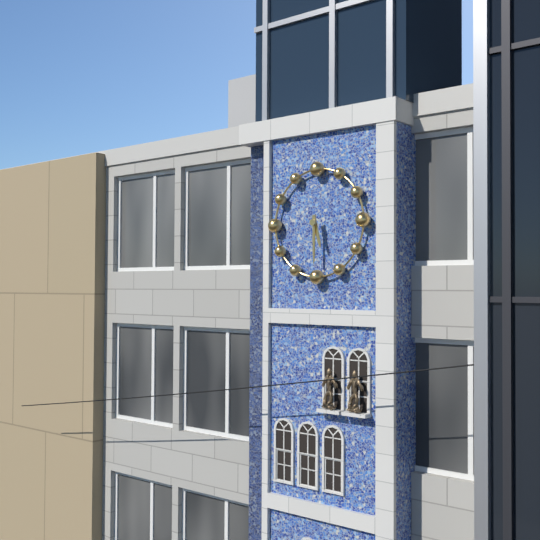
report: 5h30
